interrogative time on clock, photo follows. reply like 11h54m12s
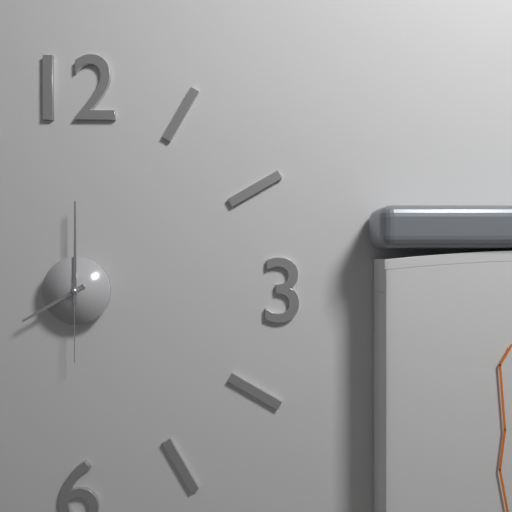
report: 8h00m30s
